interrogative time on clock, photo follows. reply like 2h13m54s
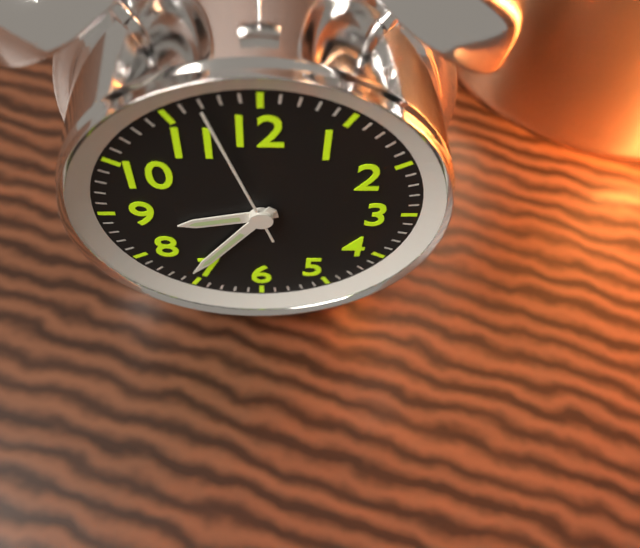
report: 8h36m57s
